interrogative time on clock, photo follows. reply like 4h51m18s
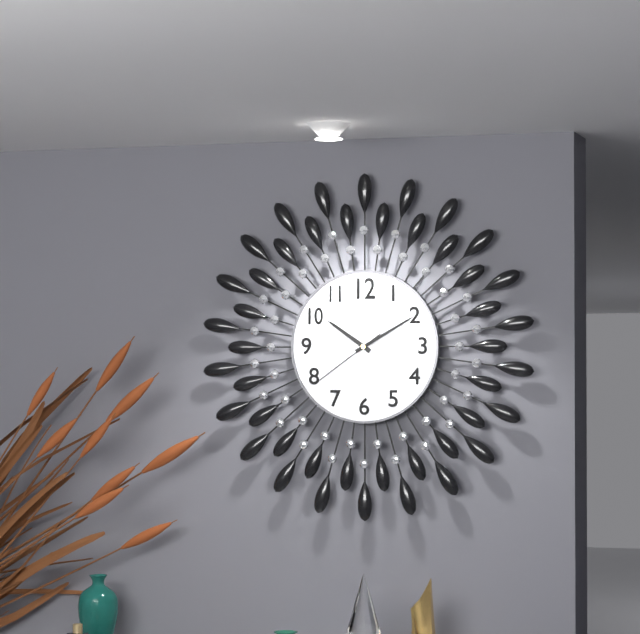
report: 10h10m39s
